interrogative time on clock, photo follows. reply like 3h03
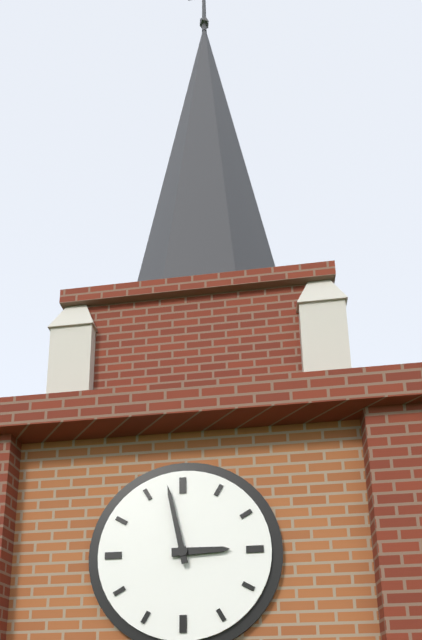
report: 2h58
